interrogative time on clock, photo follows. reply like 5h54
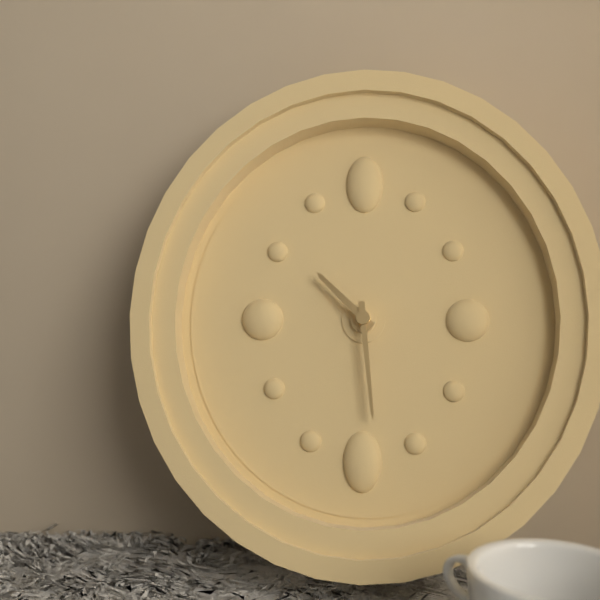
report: 10h29
